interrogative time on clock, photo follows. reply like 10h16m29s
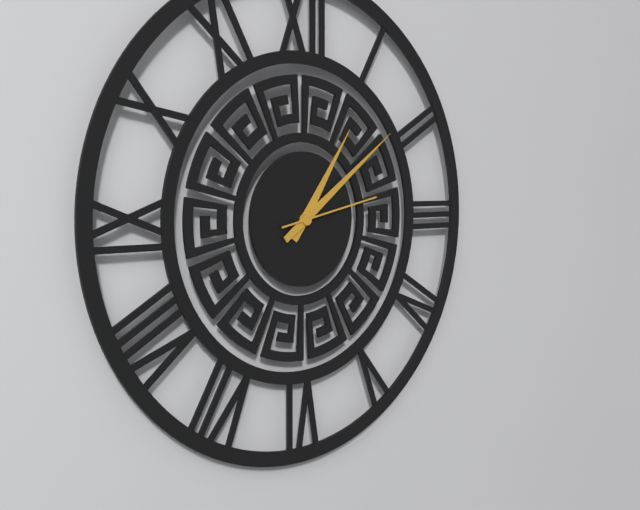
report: 1h09m13s
